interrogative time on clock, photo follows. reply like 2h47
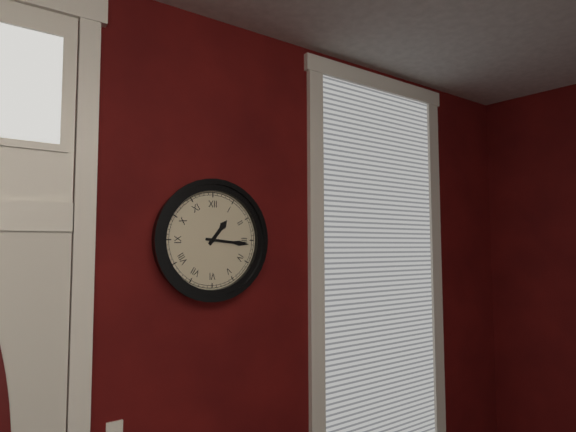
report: 1h16
